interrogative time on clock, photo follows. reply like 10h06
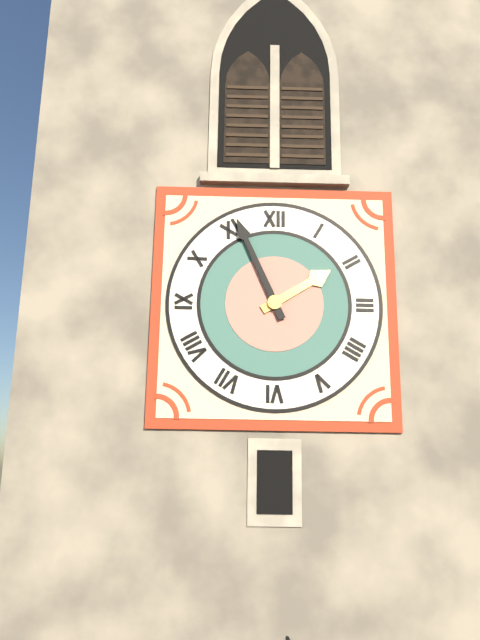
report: 1h56
